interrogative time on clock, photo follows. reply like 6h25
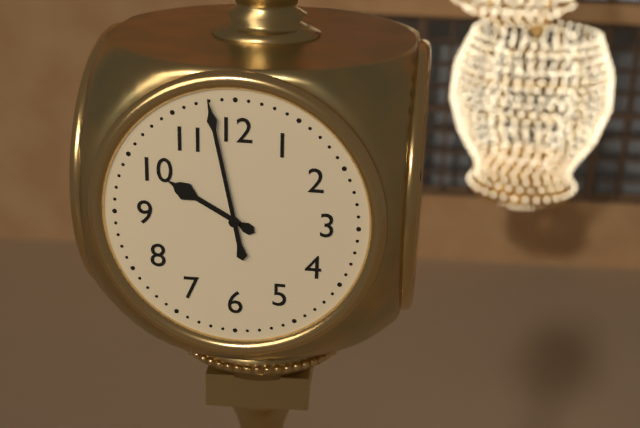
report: 9h58
